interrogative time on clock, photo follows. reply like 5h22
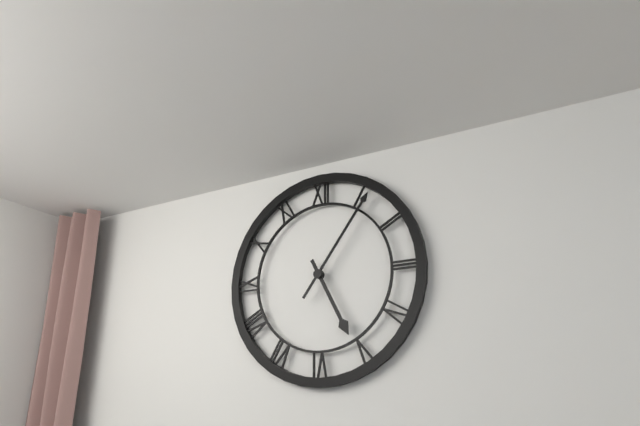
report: 5h06
